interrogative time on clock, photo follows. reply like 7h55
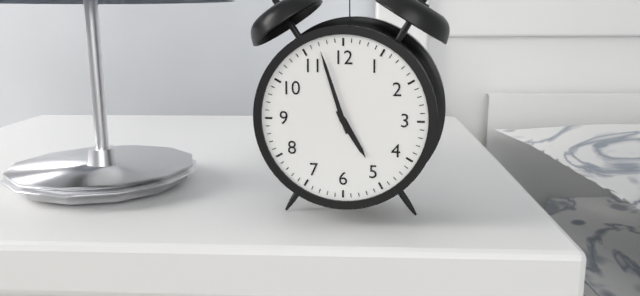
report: 4h57
